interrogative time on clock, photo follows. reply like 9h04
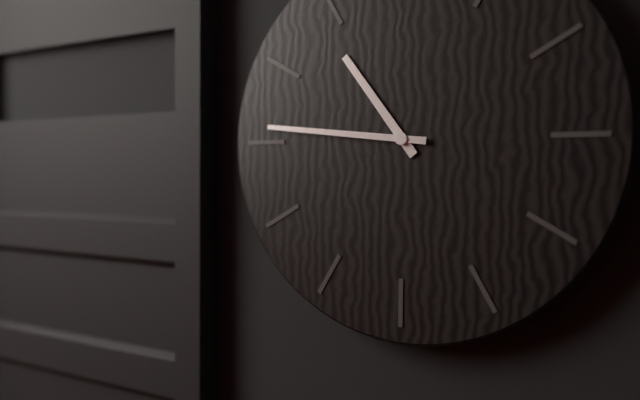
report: 10h46
